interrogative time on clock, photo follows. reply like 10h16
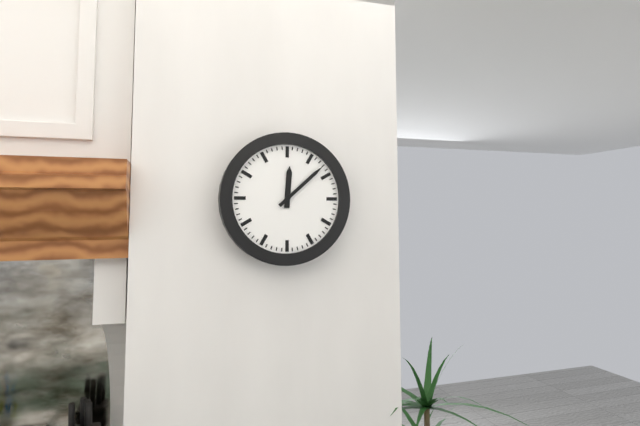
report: 12h08
